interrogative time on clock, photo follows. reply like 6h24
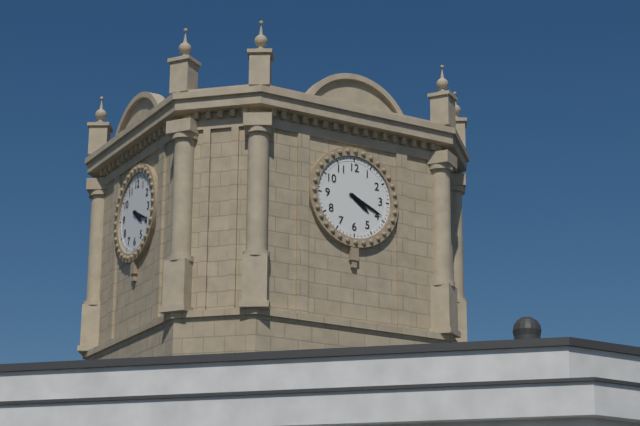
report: 4h19
